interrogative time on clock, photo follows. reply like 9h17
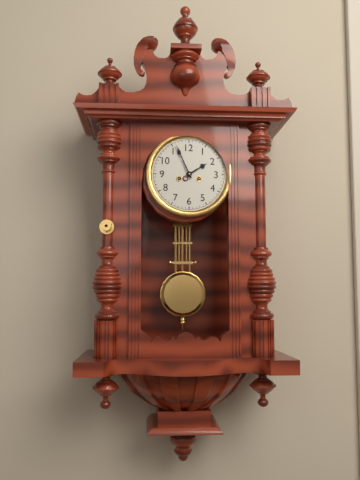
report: 1h56
